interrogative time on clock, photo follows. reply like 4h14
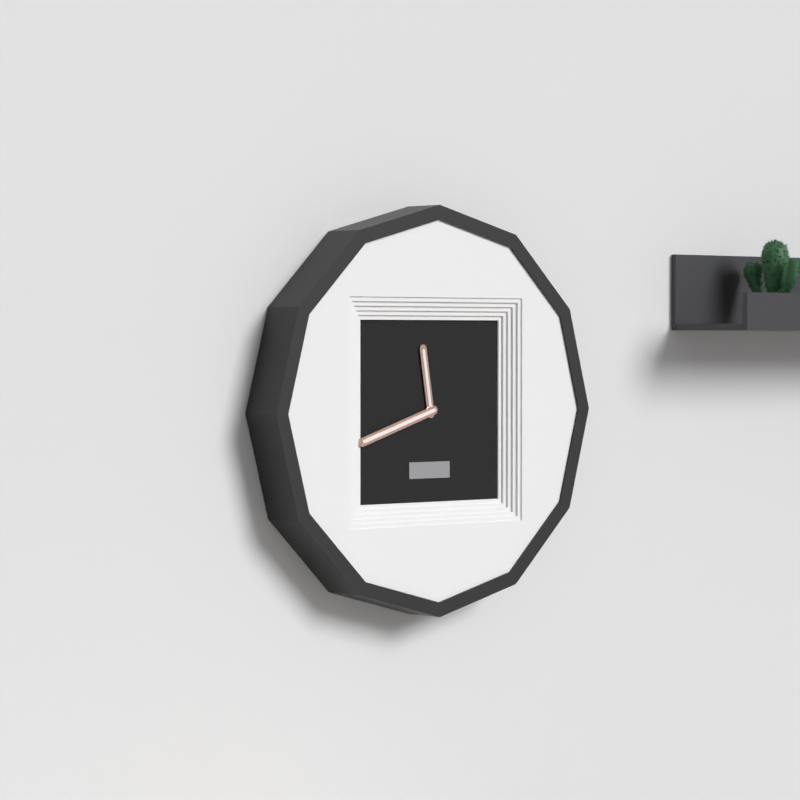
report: 11h42
